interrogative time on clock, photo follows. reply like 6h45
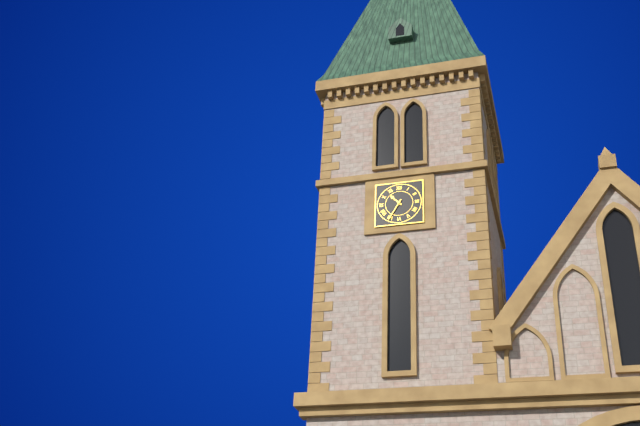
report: 10h35
